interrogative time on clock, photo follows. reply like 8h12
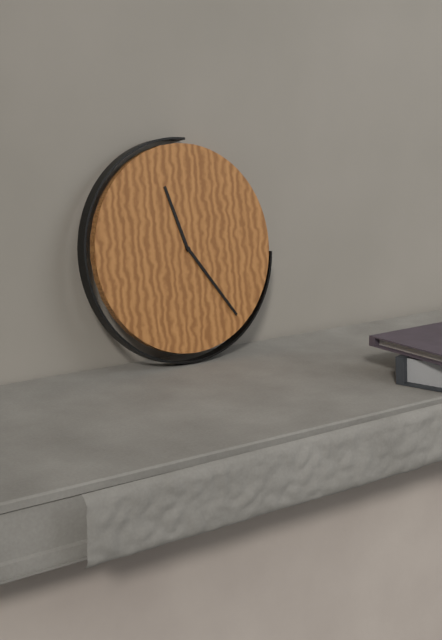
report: 11h24
